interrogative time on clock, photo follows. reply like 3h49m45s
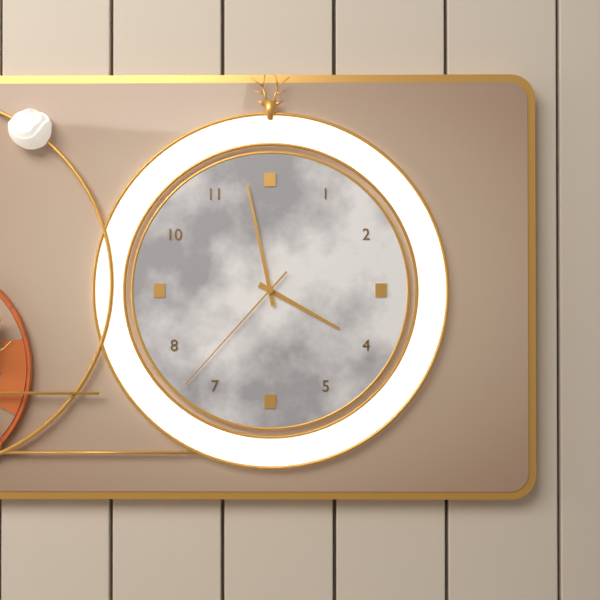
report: 3h58m37s
